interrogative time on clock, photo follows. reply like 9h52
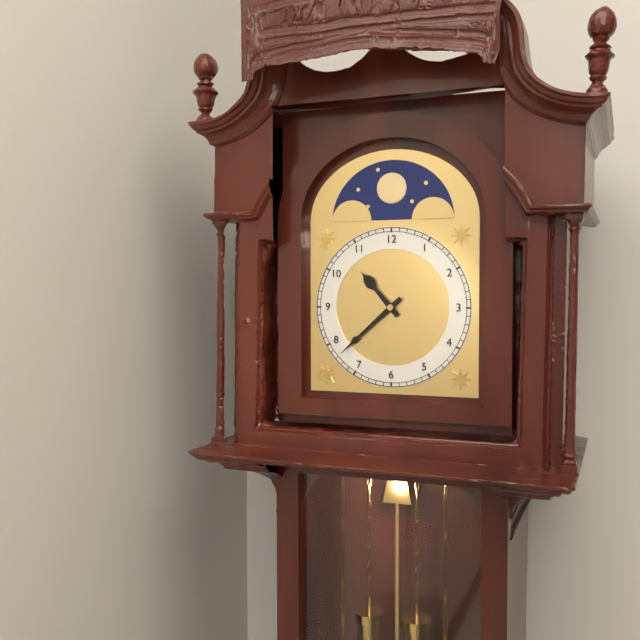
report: 10h38
